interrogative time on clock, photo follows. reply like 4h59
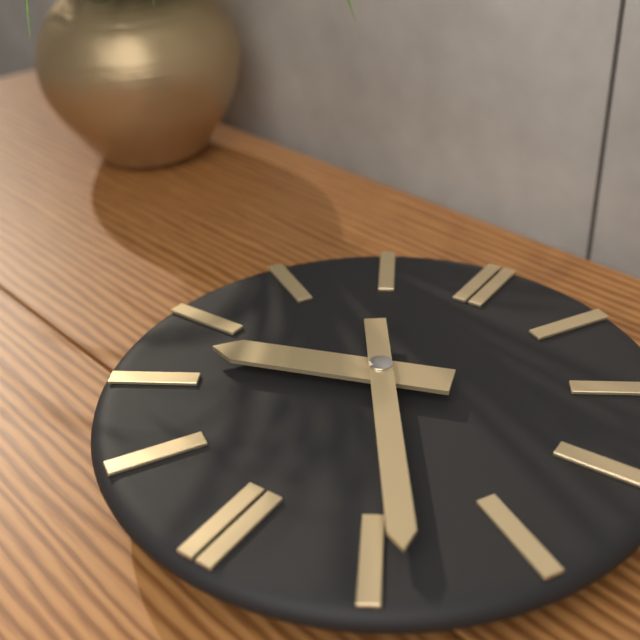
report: 8h24
